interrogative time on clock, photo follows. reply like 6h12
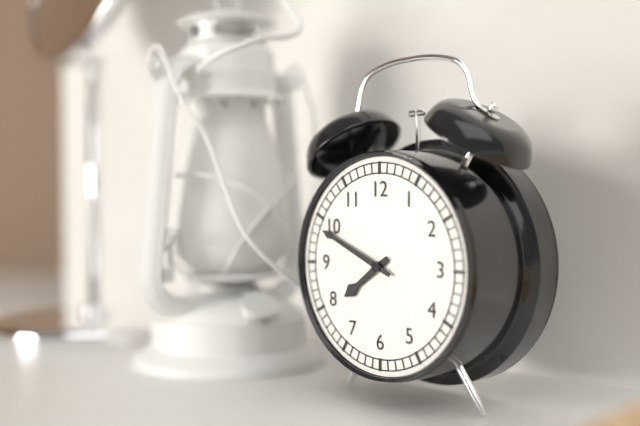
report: 7h49
